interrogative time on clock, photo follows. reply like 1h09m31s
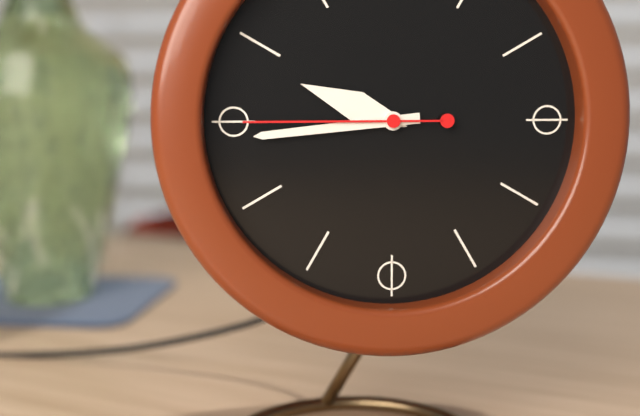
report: 9h44m45s
